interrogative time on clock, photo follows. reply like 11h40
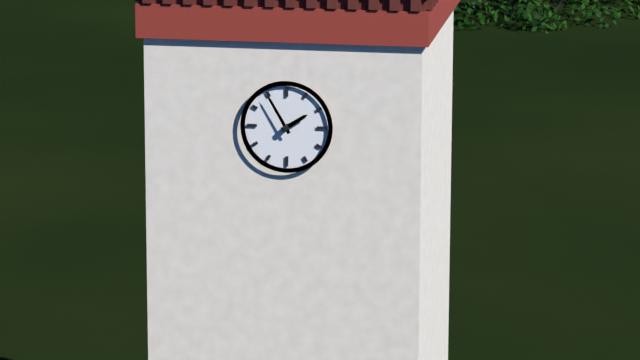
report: 1h55
